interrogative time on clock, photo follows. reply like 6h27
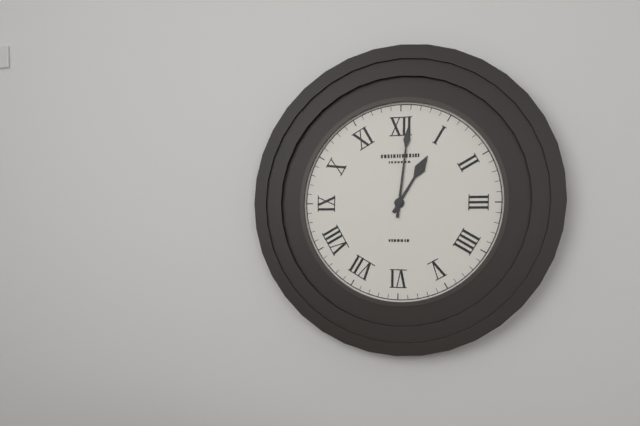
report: 1h01
